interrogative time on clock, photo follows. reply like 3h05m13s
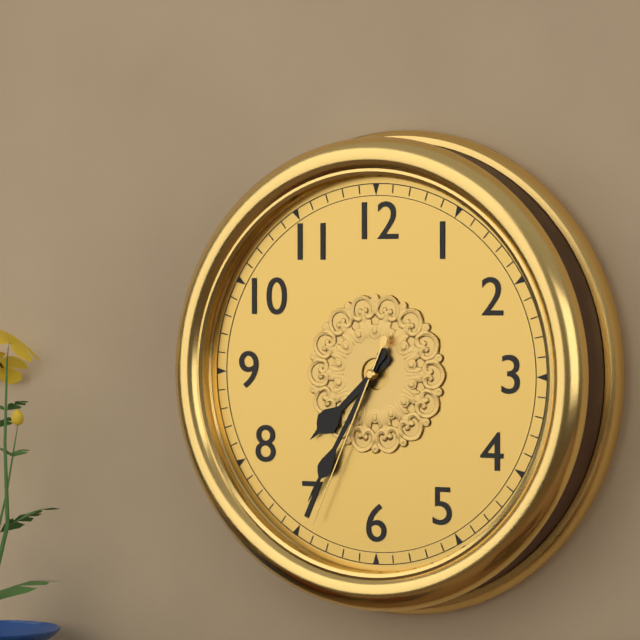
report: 7h35m34s
